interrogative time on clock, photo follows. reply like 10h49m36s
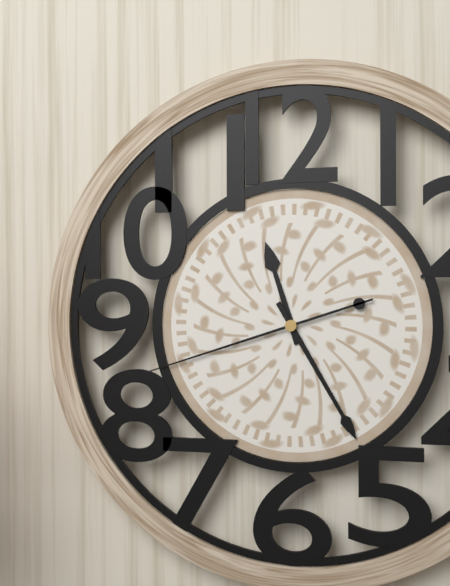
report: 11h25m42s
